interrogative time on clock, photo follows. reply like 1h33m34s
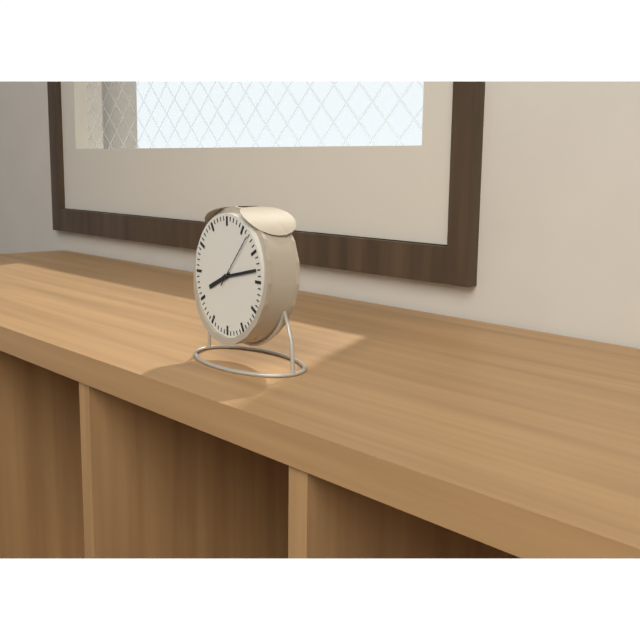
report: 8h13m07s
